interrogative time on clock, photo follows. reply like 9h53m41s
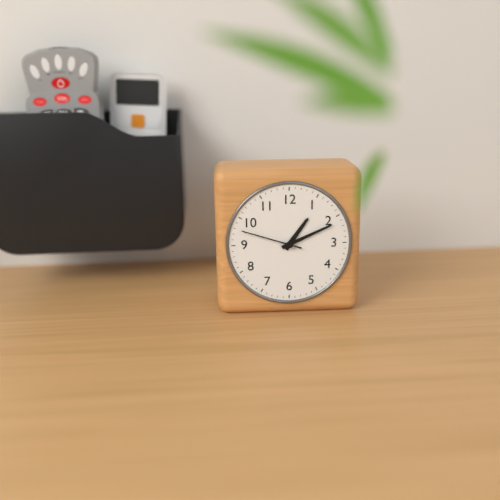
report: 1h11m48s
